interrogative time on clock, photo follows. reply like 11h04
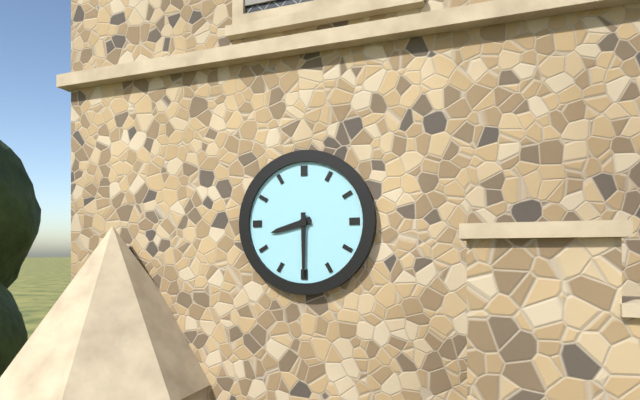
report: 8h30
